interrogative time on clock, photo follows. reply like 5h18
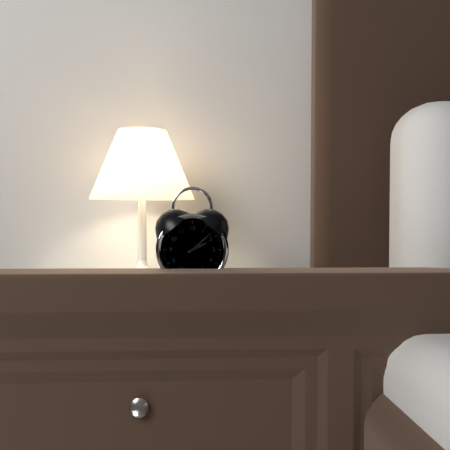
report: 2h08
